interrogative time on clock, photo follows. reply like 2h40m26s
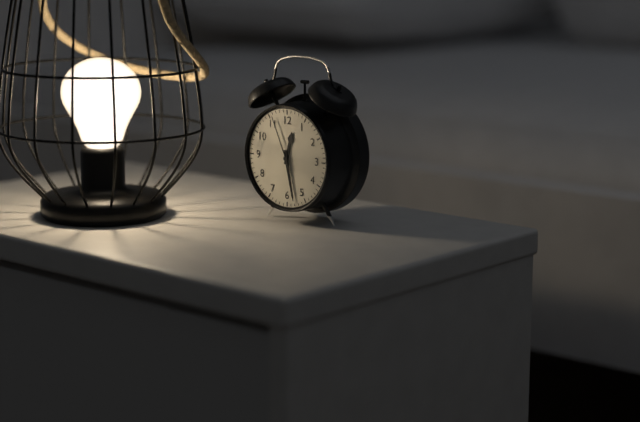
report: 12h28m56s
